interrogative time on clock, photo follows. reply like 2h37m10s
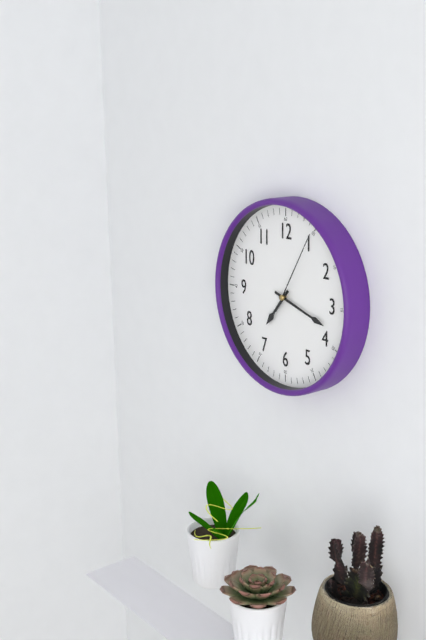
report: 7h18m05s
